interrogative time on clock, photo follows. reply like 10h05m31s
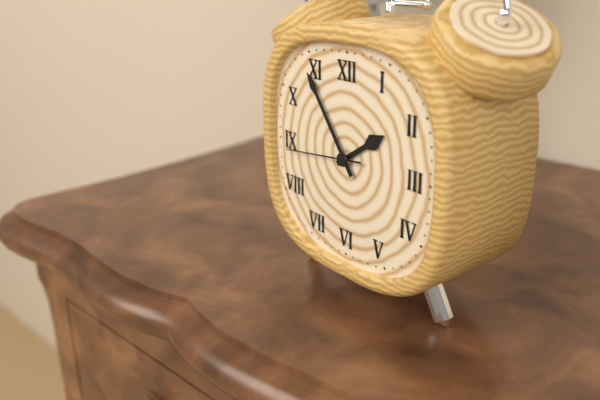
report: 1h54m44s
